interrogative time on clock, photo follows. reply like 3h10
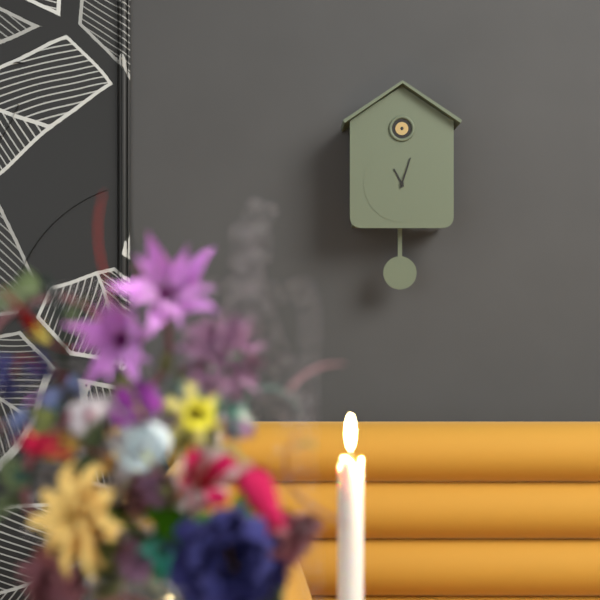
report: 11h03
